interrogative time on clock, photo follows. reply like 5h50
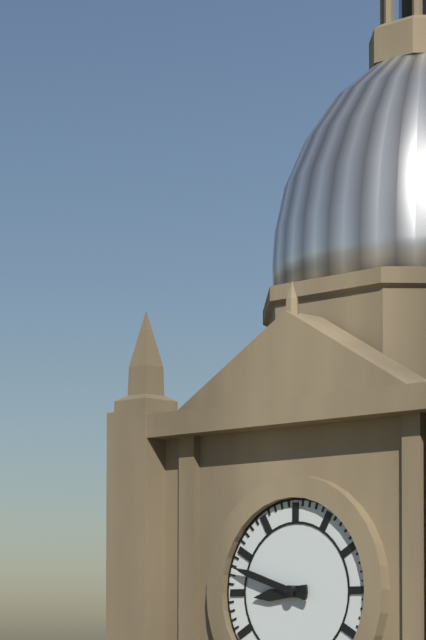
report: 8h48
